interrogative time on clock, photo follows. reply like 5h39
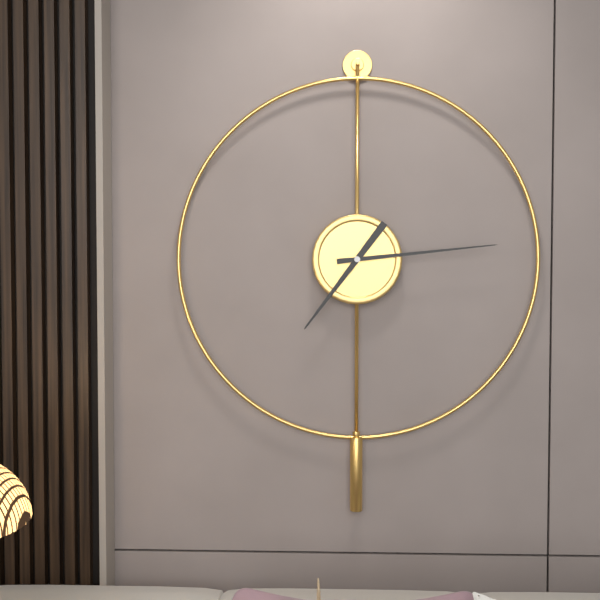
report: 7h14
